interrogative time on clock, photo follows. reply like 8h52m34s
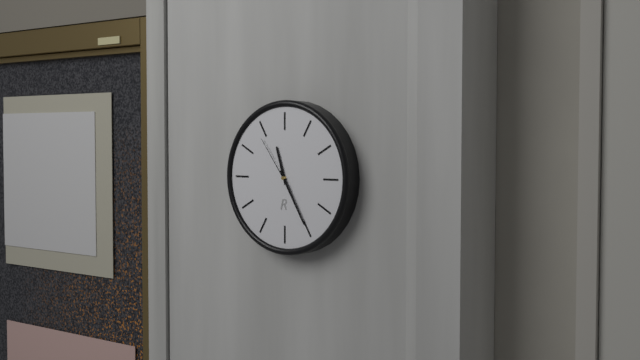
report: 11h25m54s
